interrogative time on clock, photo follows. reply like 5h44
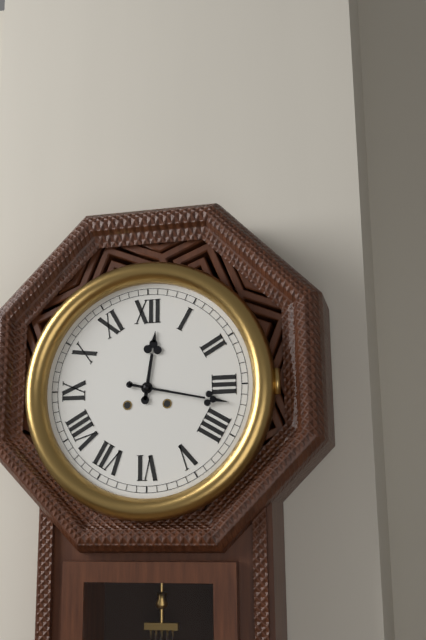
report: 12h17
